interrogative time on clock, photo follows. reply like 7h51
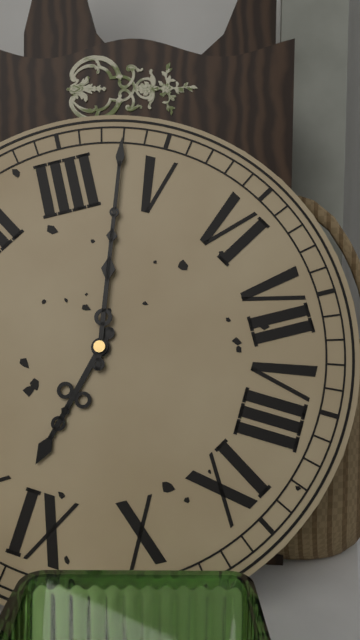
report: 11h23
